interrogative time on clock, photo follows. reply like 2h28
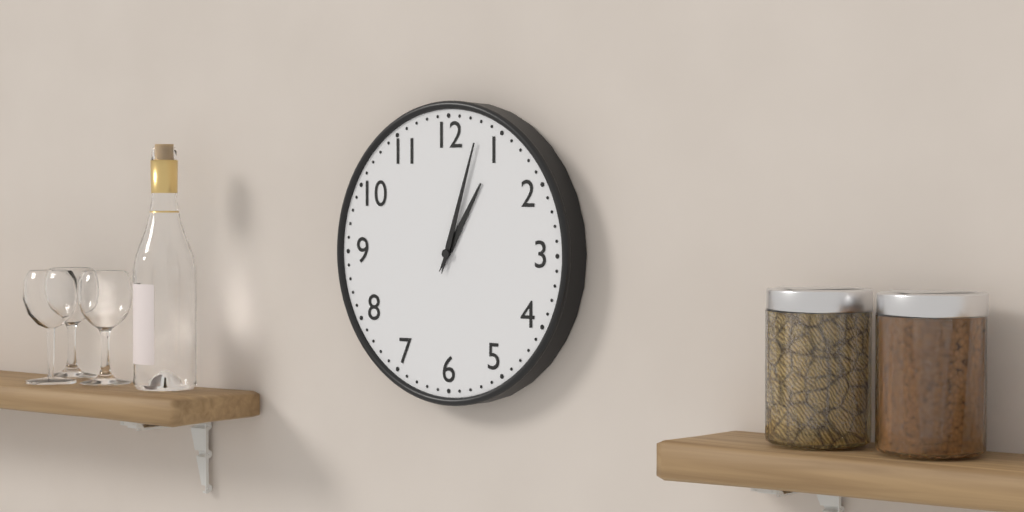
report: 1h03
